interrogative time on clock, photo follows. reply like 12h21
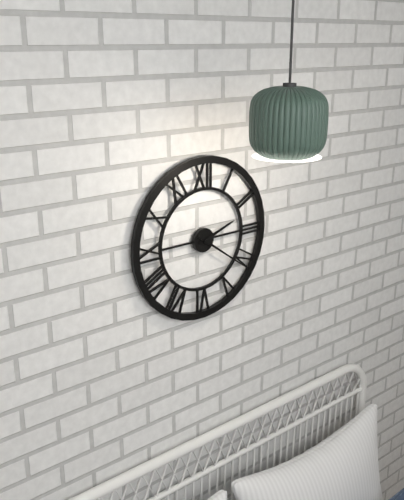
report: 2h21
